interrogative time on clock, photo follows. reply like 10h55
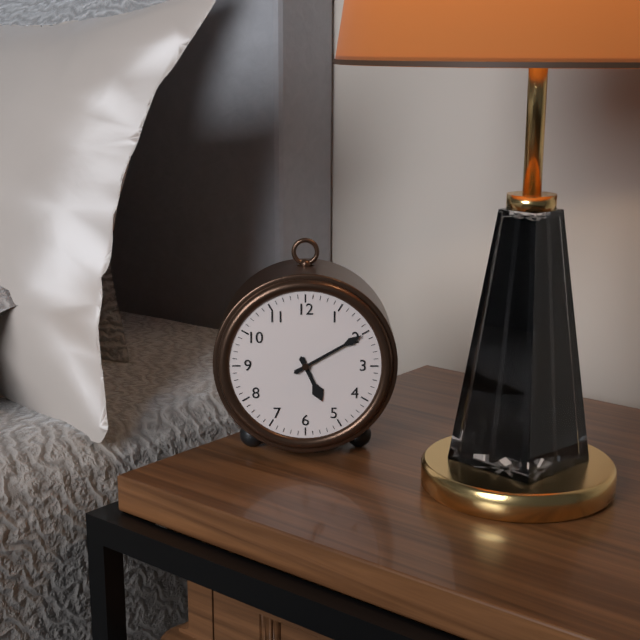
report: 5h10
